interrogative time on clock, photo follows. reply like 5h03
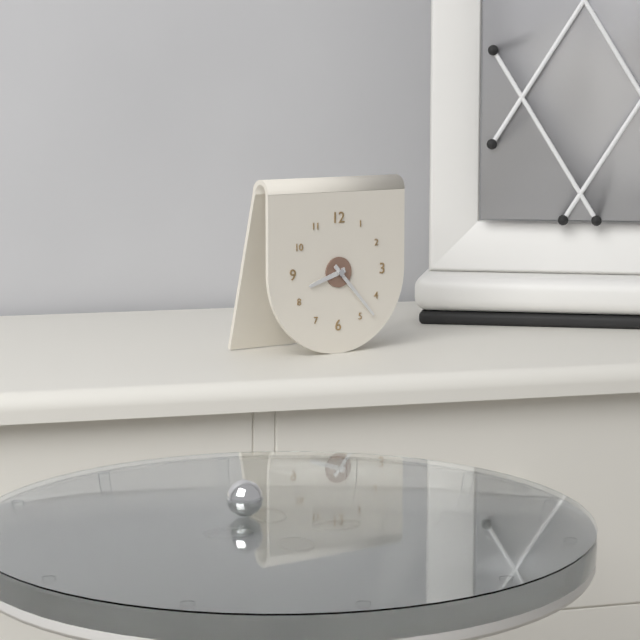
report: 8h23
